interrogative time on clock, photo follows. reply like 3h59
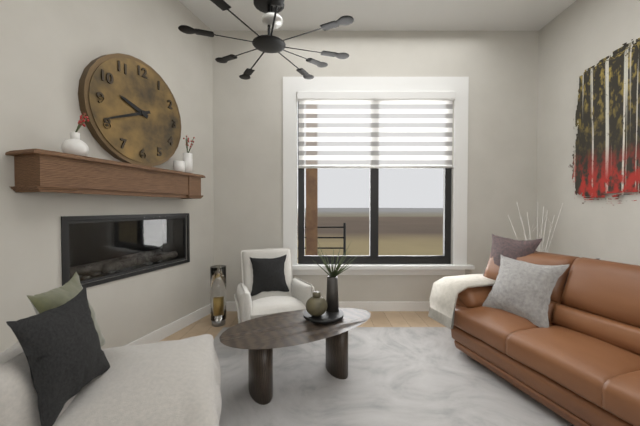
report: 9h41
